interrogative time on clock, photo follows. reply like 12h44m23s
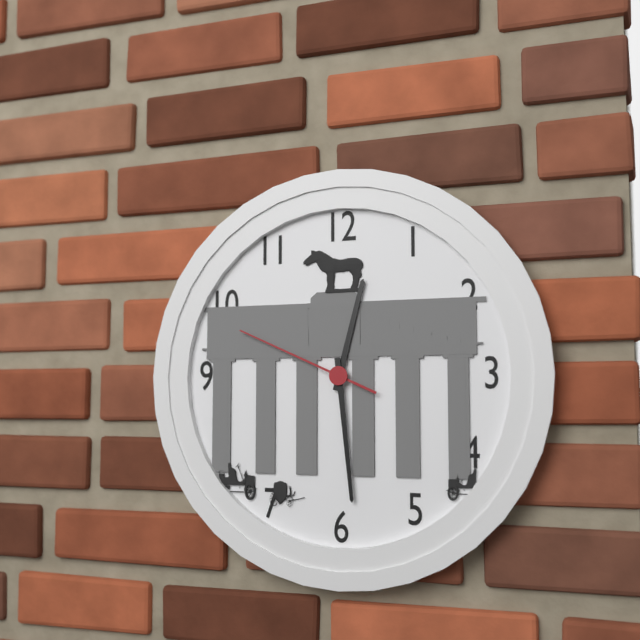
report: 12h29m49s
